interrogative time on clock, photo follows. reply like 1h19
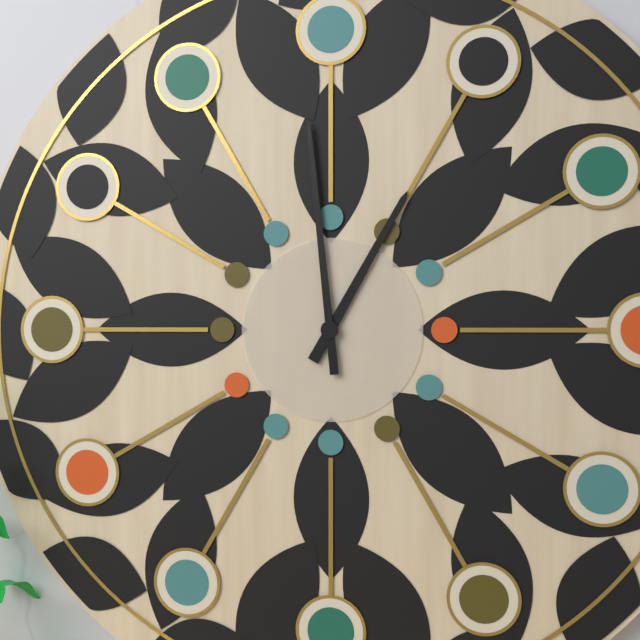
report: 12h59
